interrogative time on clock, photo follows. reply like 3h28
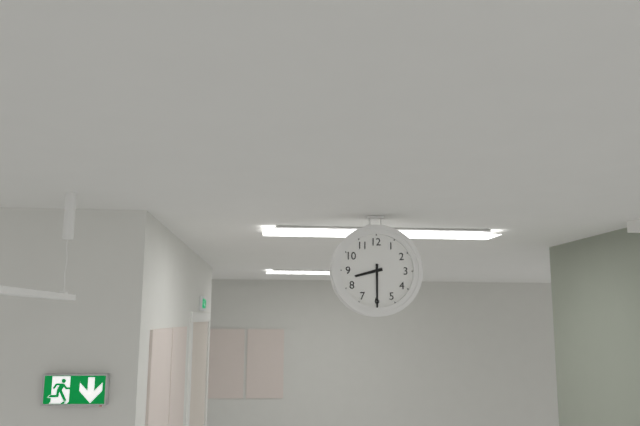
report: 8h30
